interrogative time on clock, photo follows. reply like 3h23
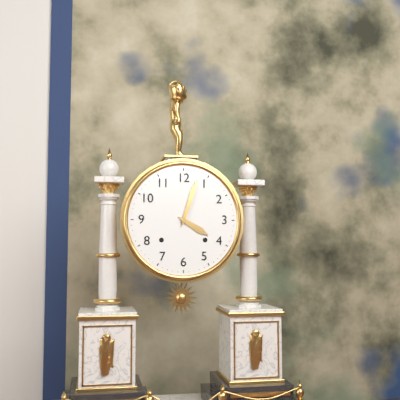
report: 4h03
